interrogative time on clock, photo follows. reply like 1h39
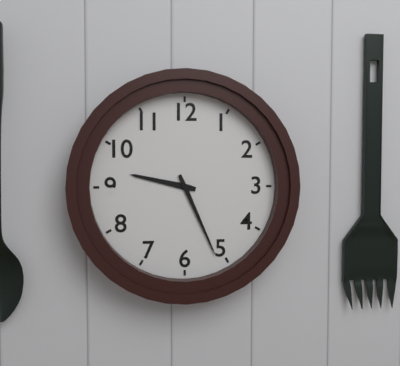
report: 9h26
